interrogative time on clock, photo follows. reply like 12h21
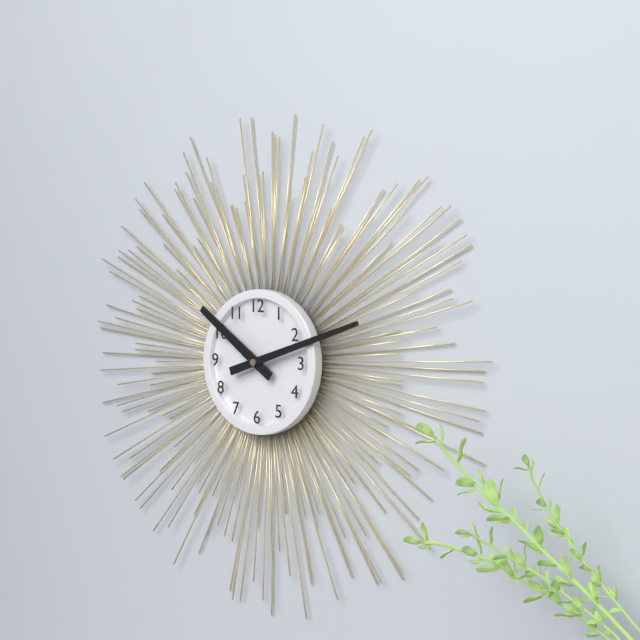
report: 10h12
